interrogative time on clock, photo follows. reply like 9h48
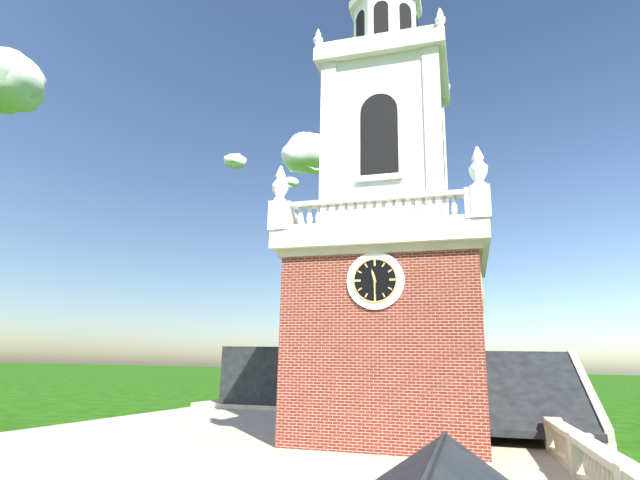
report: 11h30
